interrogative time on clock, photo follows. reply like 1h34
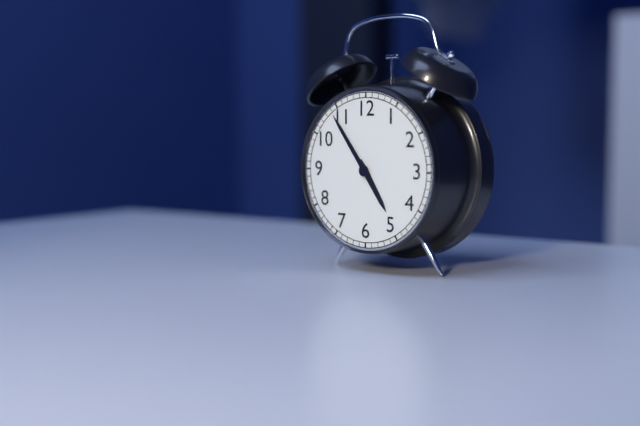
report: 4h54
